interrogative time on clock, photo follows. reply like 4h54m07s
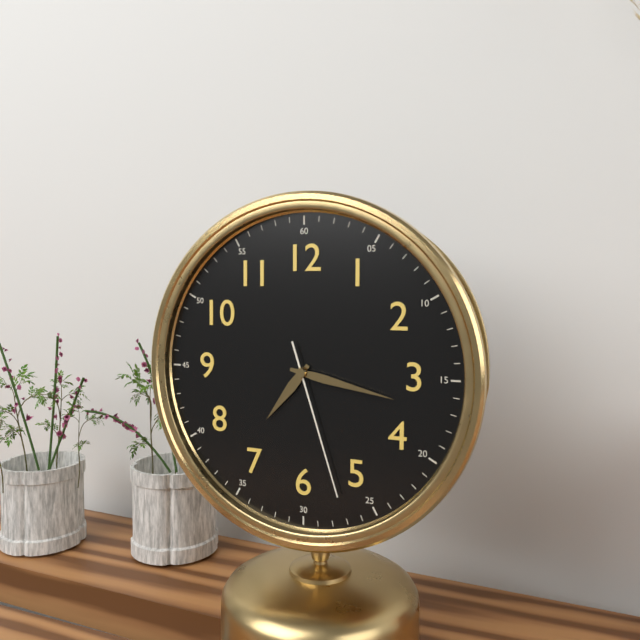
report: 7h17m27s
